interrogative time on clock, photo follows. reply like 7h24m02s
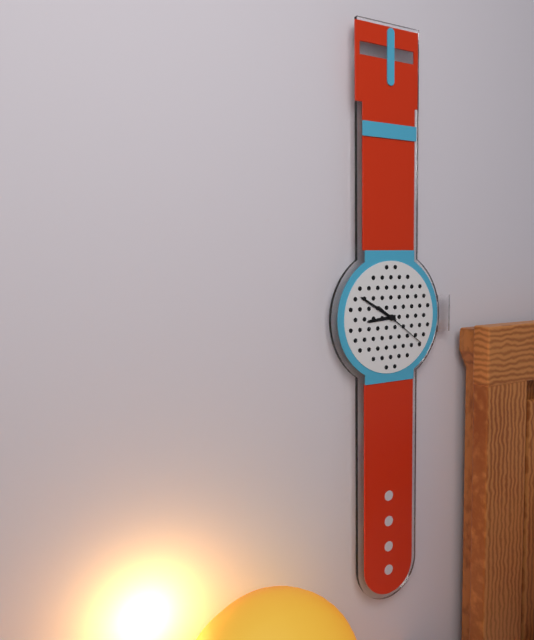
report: 8h50m21s
